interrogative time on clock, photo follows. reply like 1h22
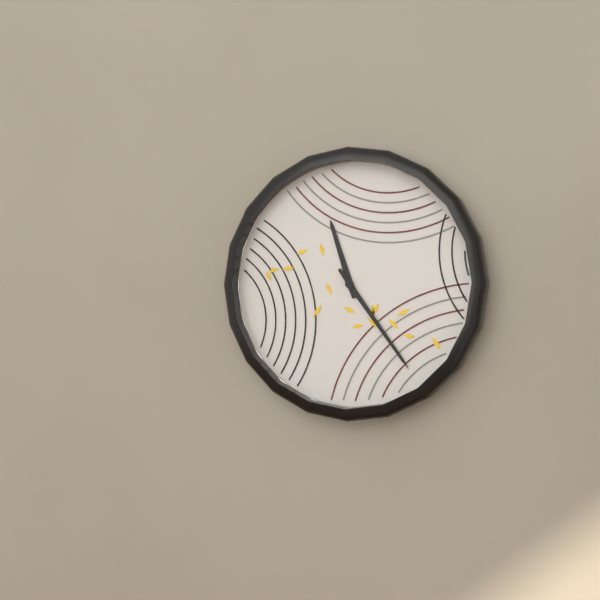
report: 11h24
